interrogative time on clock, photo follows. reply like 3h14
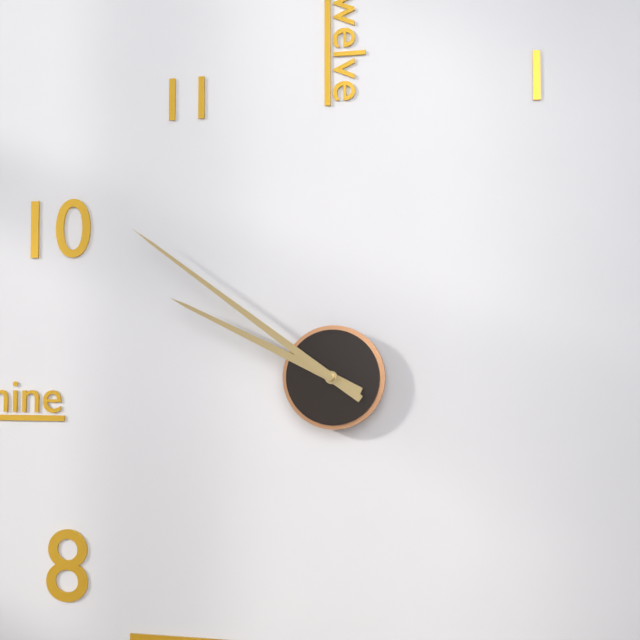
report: 9h51
